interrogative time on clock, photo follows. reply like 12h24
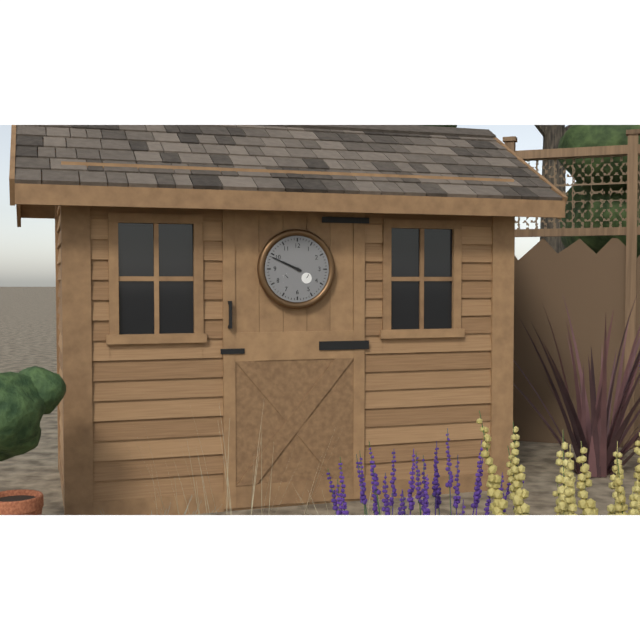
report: 9h49
